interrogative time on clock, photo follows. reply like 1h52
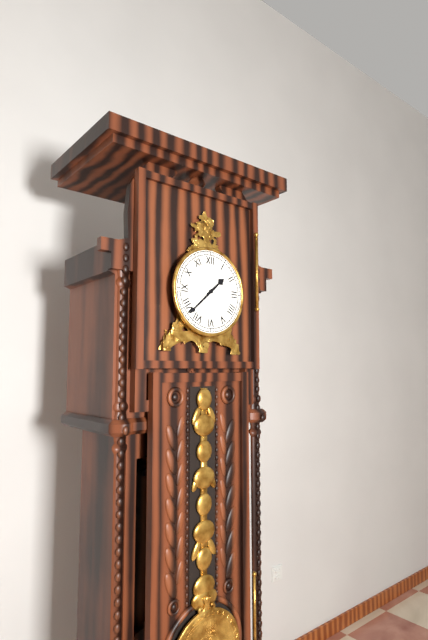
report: 1h38
